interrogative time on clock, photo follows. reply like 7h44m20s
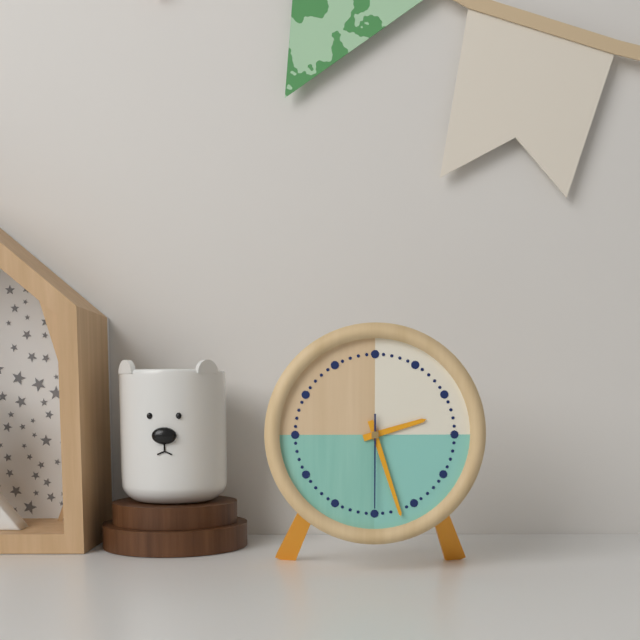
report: 2h27m30s
